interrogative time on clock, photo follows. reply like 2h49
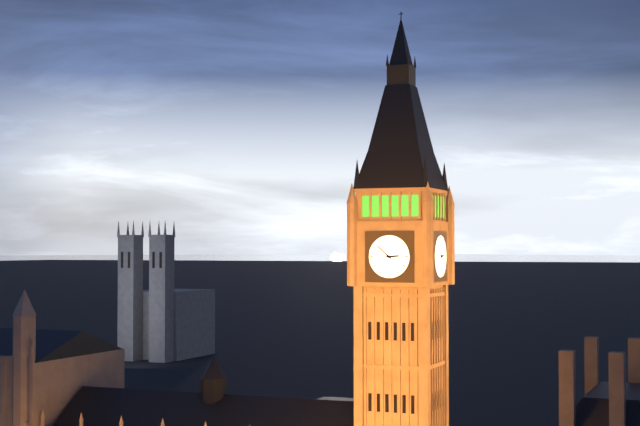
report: 2h52
